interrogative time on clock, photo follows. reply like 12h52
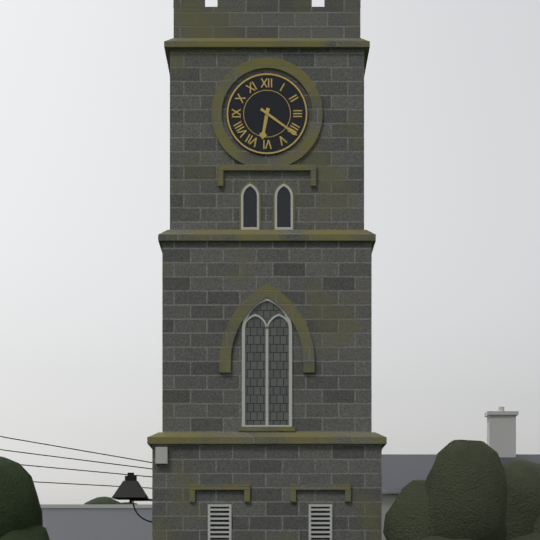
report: 6h21
